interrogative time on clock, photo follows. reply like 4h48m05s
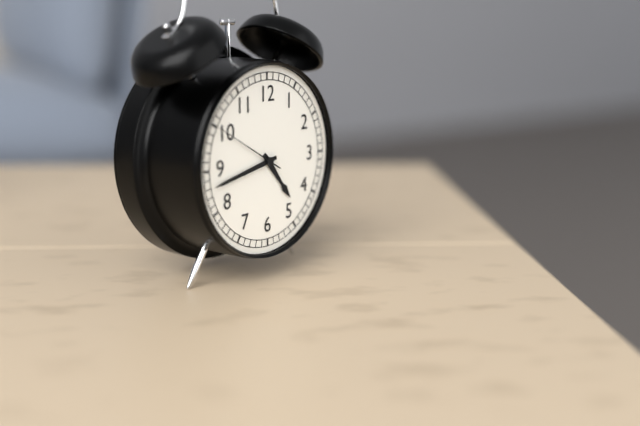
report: 4h43m50s
